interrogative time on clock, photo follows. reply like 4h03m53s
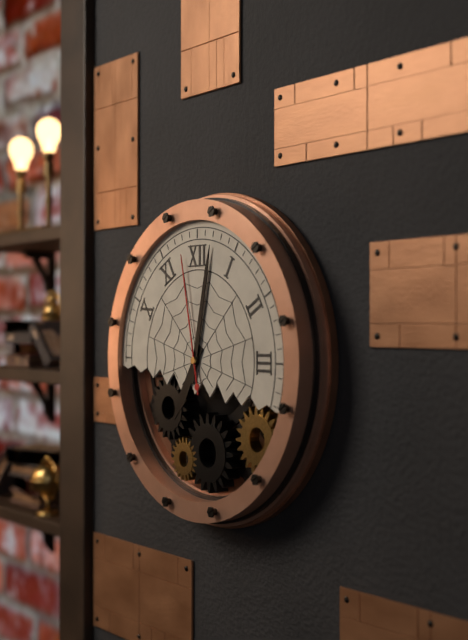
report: 7h02m58s
